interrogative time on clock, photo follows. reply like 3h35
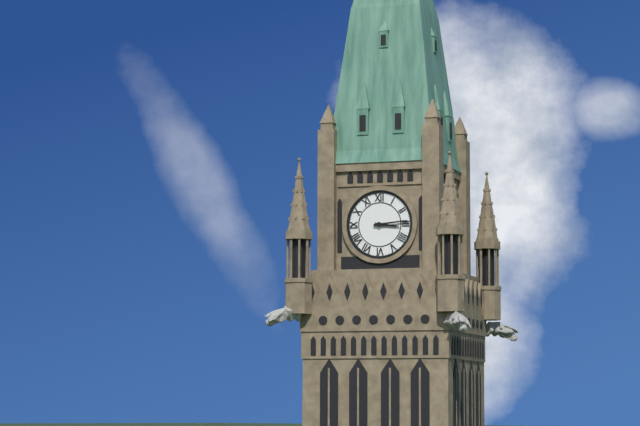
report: 3h14
